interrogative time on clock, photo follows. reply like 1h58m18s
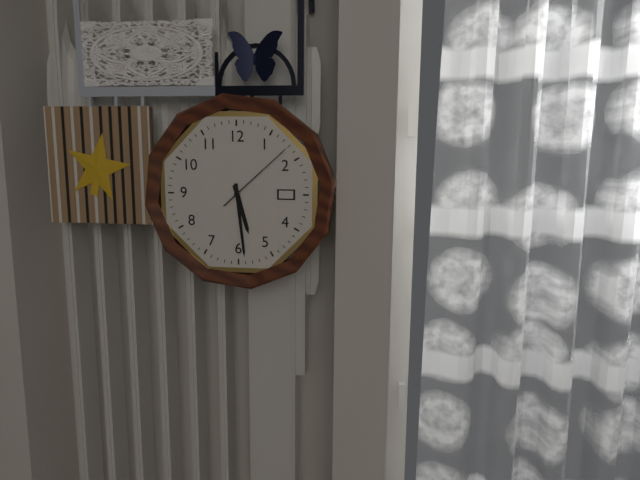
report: 5h29m08s
